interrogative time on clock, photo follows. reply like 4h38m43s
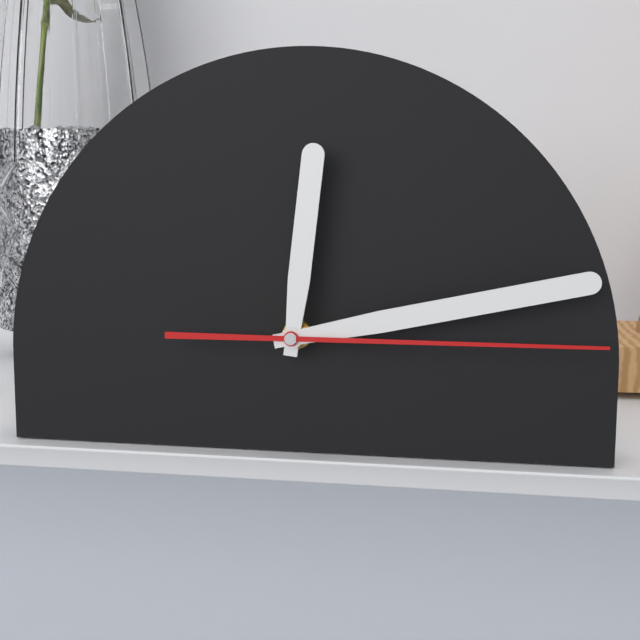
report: 12h13m15s
